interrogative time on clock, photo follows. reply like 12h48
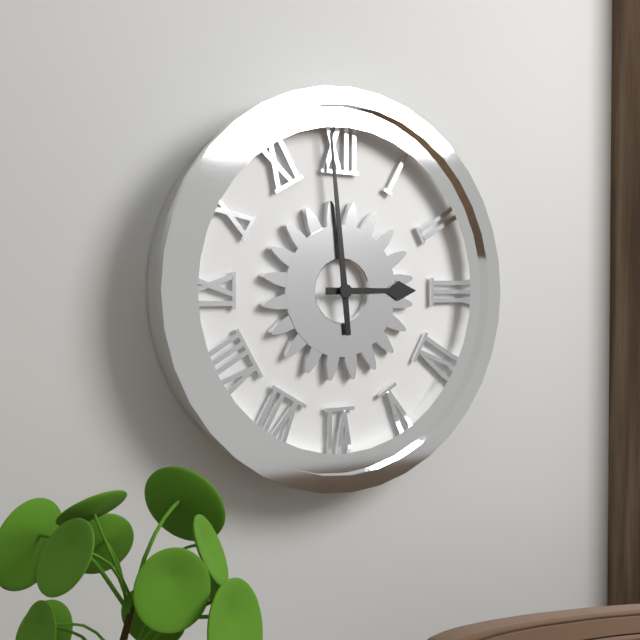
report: 2h59
